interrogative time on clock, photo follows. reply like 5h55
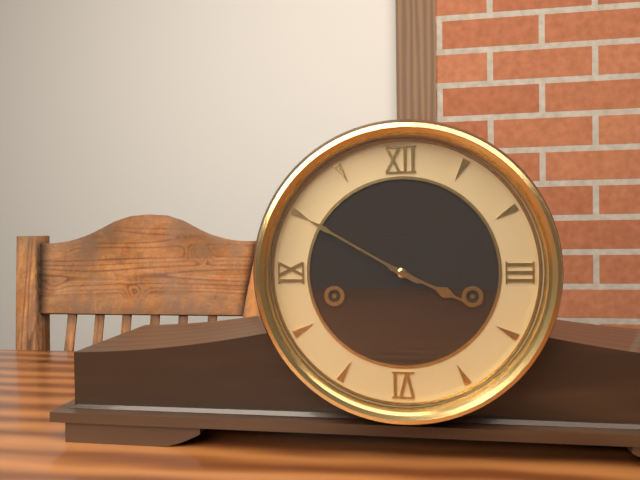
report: 3h50
